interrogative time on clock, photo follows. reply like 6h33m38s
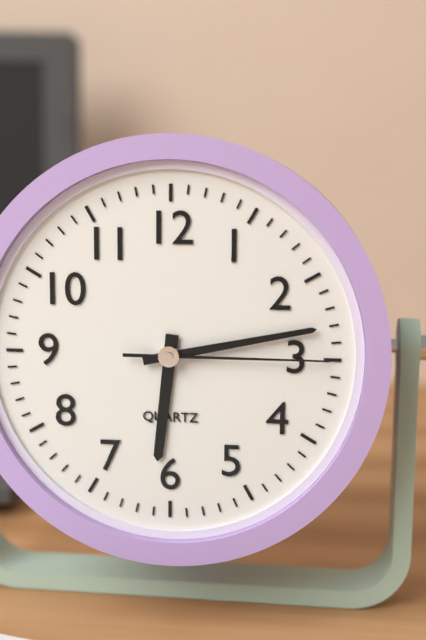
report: 6h13m15s
